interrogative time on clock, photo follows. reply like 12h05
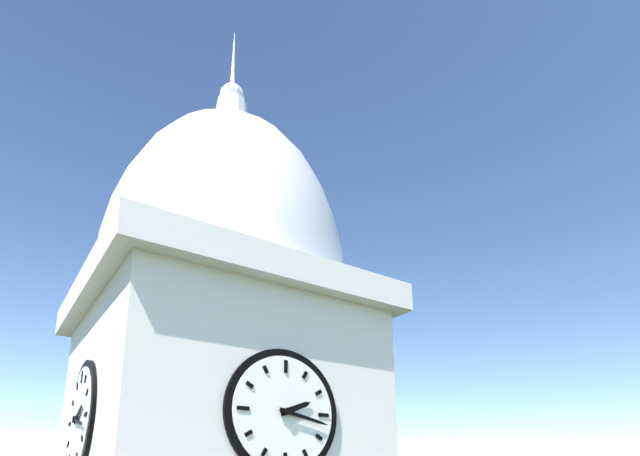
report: 2h17
